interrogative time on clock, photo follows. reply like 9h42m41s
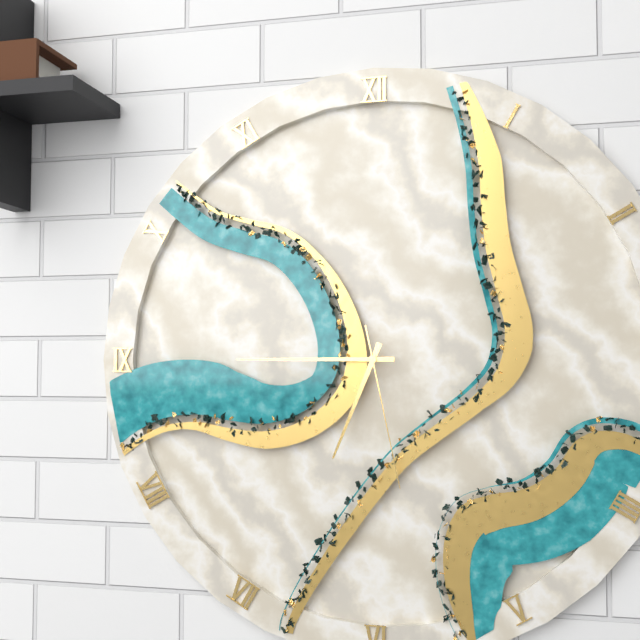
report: 6h45m28s
